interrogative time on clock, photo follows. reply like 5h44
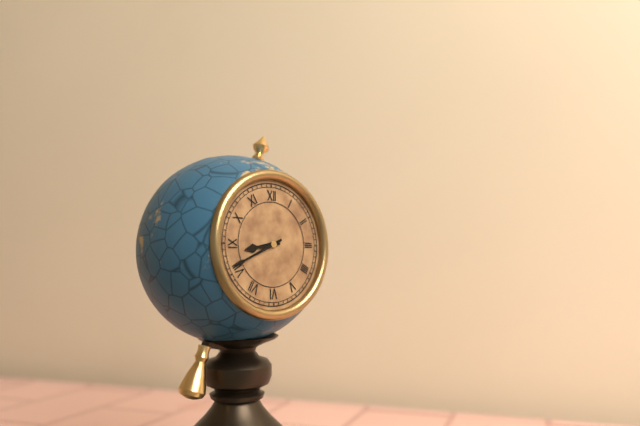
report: 8h41
